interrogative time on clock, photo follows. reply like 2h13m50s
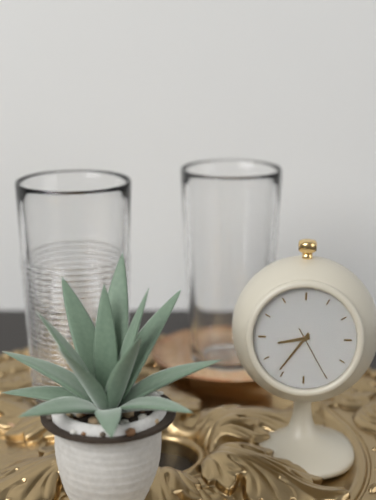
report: 8h36m25s
